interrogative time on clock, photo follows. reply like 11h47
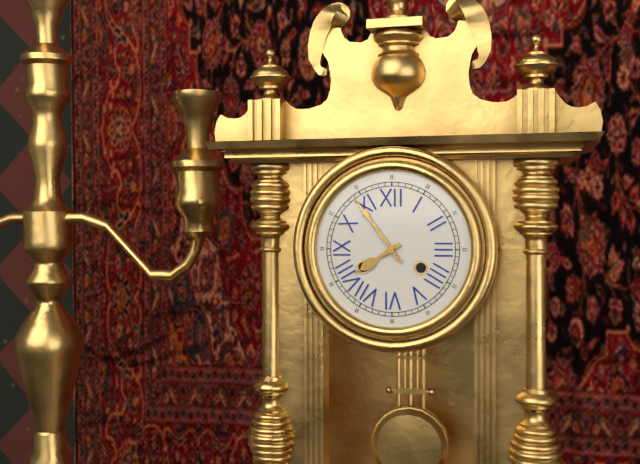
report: 7h54
